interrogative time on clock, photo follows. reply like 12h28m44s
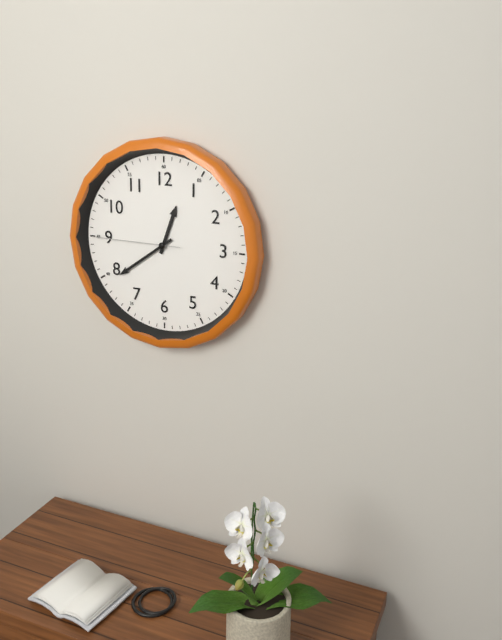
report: 12h39m45s
